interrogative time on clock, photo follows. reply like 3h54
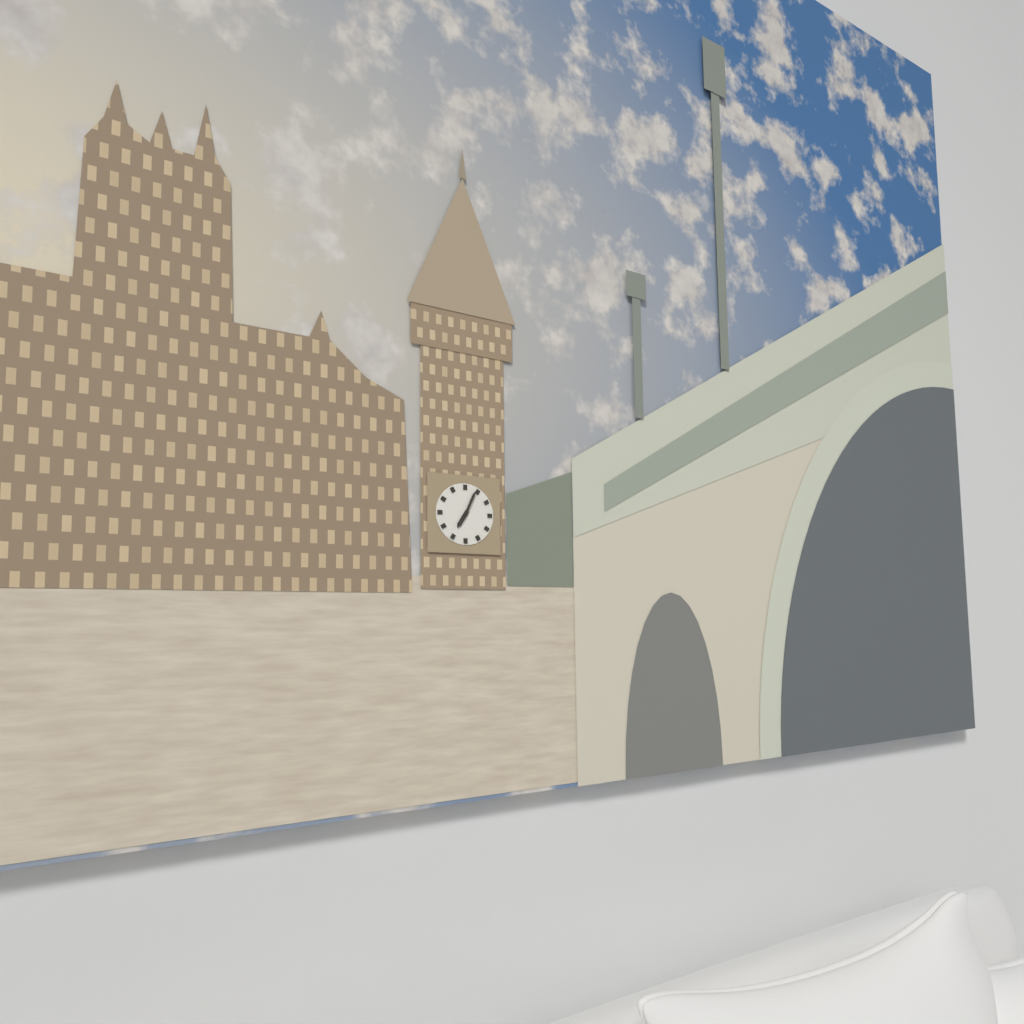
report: 7h04
